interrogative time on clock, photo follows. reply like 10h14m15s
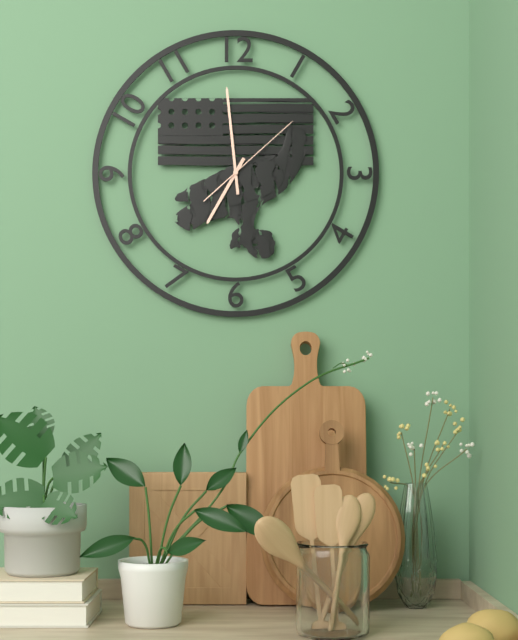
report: 6h59m08s
